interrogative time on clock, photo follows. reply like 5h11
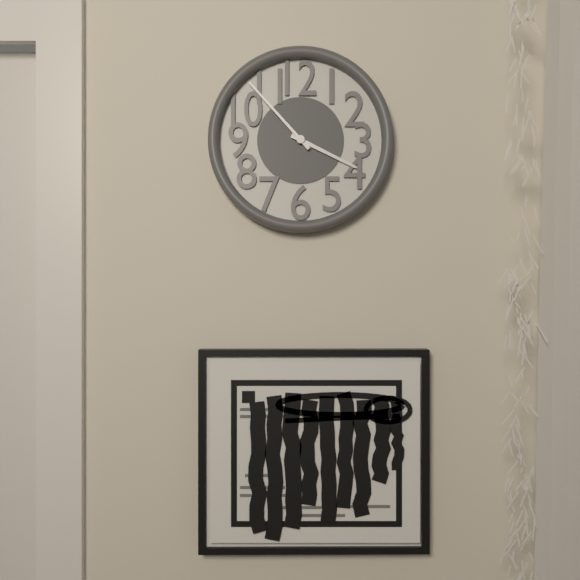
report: 3h53
